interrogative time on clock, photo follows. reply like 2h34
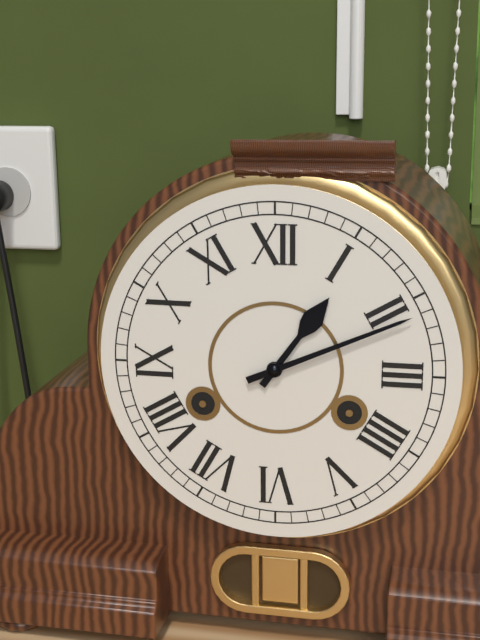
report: 1h11
